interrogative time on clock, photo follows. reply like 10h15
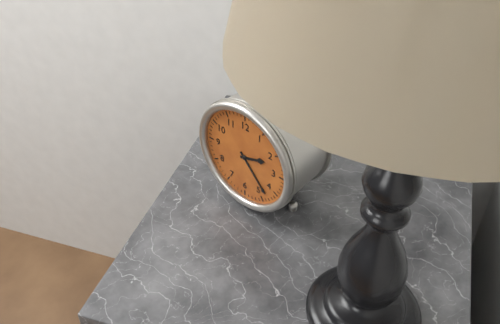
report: 2h23
